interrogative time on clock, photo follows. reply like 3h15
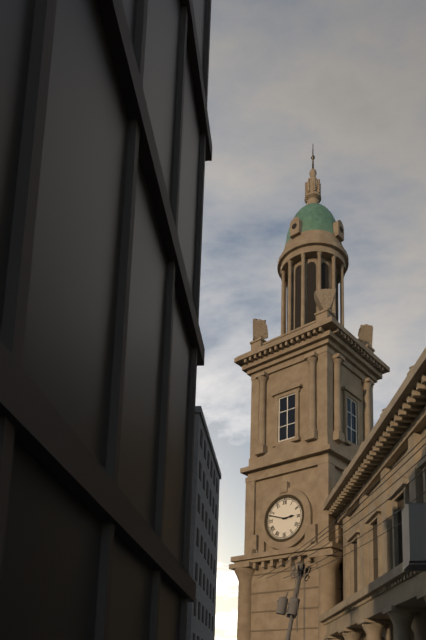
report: 2h48
